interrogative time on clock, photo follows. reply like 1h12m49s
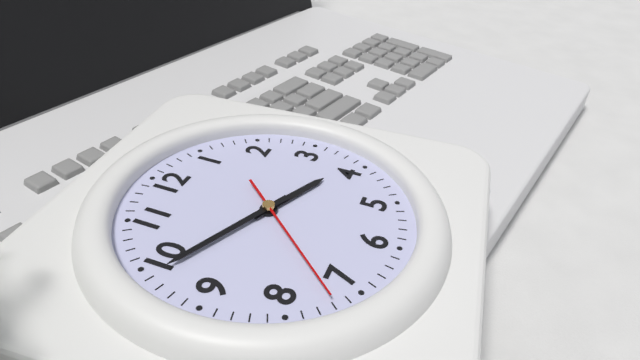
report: 3h49m37s
